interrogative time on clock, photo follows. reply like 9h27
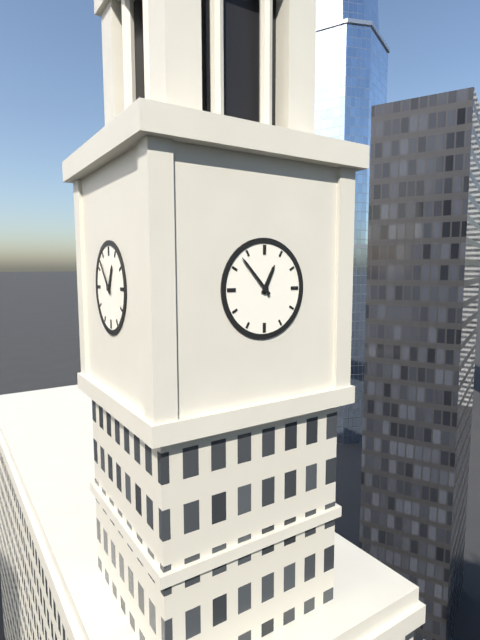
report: 12h53
